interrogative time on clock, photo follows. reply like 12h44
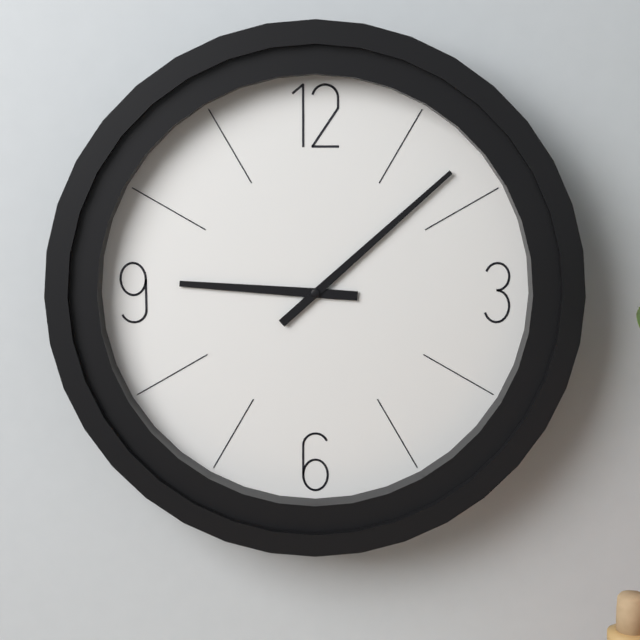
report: 9h08
